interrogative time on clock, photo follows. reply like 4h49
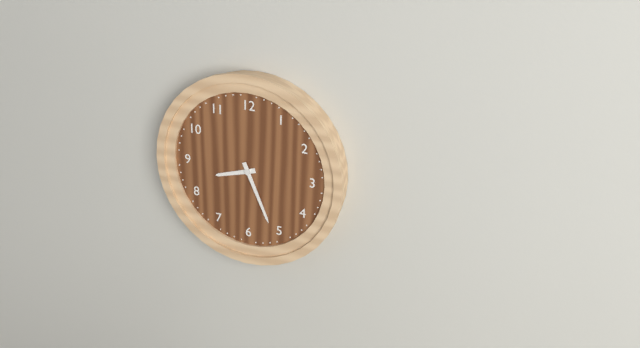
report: 8h26
